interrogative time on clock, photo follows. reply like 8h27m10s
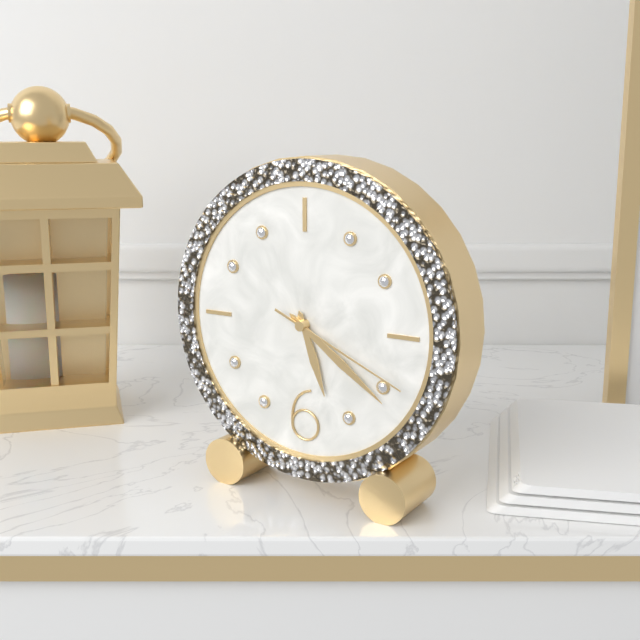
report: 5h21m19s
